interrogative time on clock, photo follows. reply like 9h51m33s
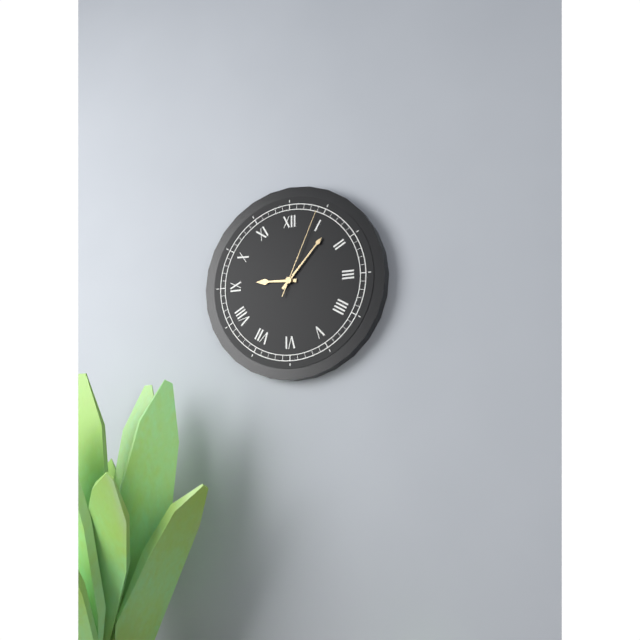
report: 9h07m04s
